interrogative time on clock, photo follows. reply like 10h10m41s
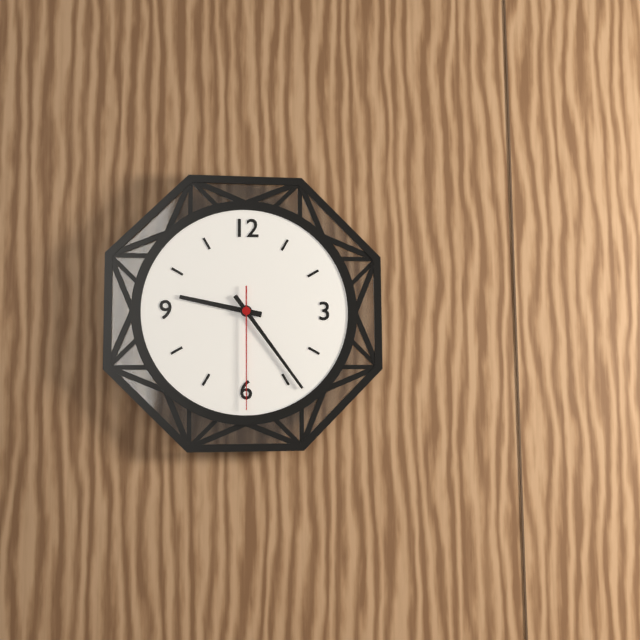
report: 9h24m30s
